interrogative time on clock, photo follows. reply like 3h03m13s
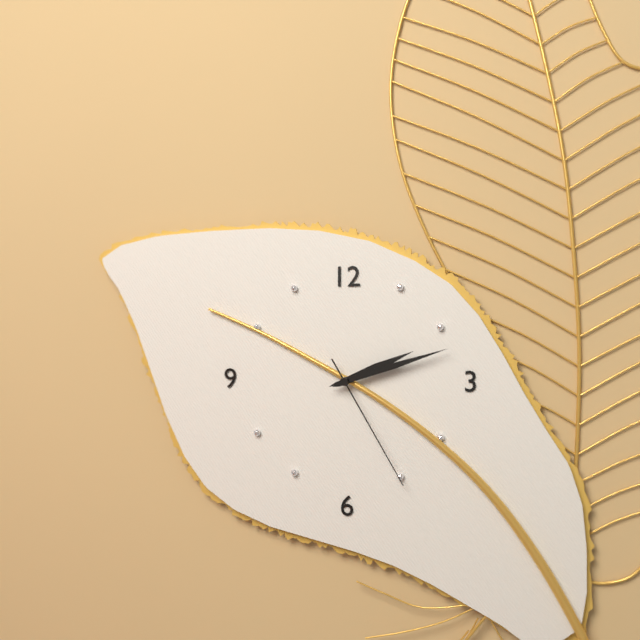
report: 2h12m25s
